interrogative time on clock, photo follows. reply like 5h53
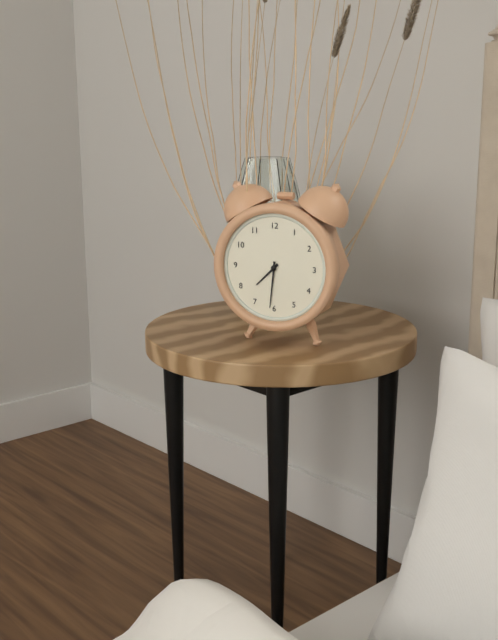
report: 7h31
